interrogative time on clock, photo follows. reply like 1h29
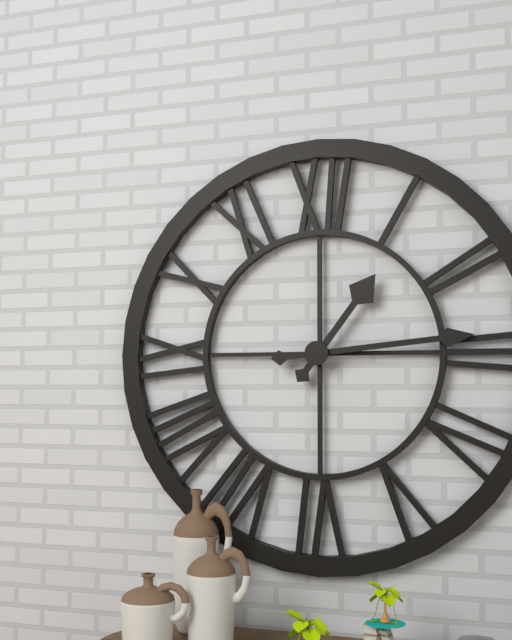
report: 1h14
